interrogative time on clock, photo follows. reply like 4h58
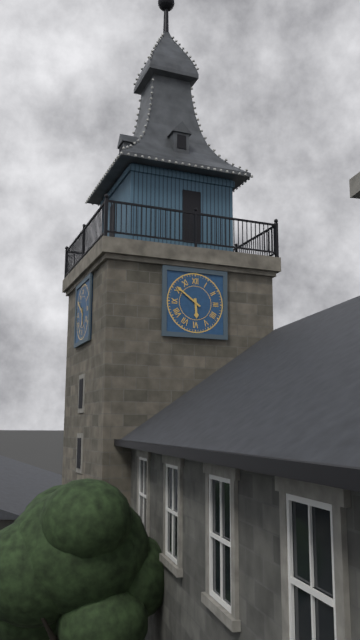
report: 5h51
